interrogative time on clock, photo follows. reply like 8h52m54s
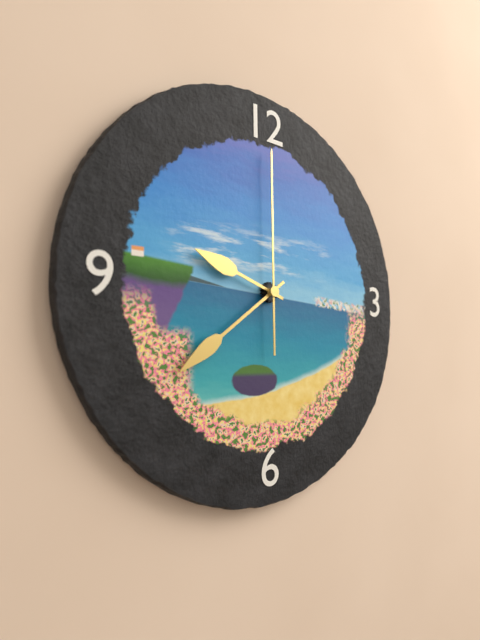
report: 9h39m00s
